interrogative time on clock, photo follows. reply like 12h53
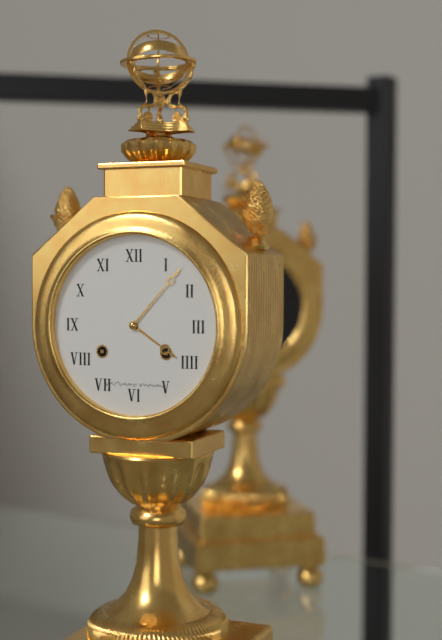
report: 4h07
